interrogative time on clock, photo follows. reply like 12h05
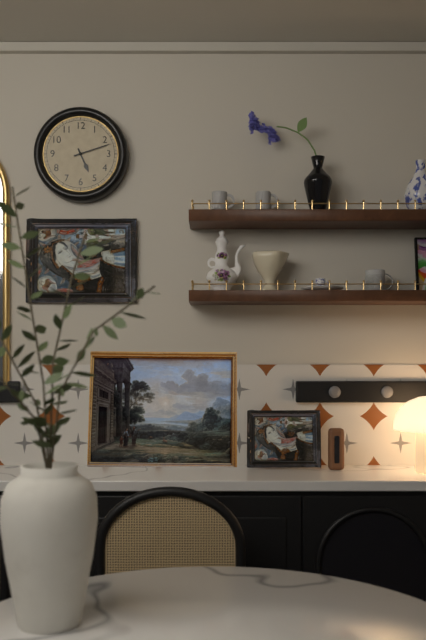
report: 5h12
